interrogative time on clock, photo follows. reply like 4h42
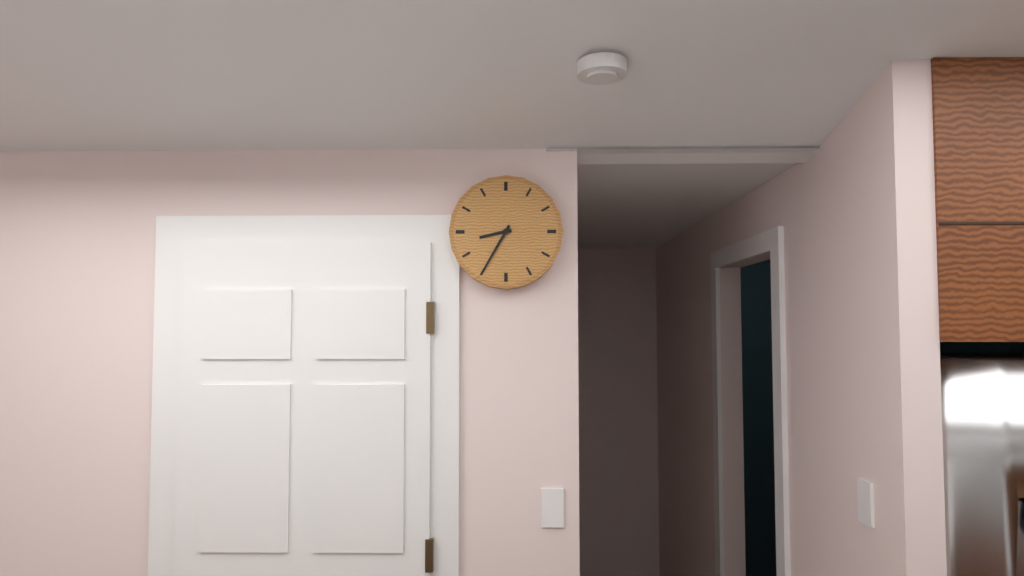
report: 8h35
